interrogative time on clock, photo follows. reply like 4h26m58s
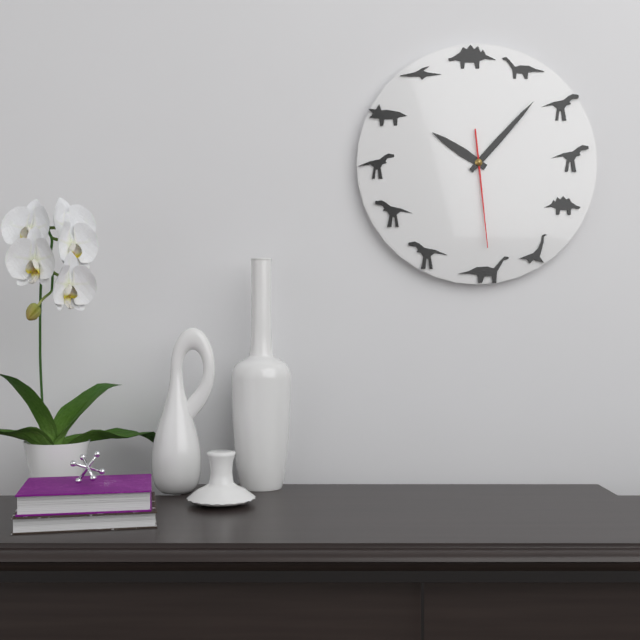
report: 10h07m29s
